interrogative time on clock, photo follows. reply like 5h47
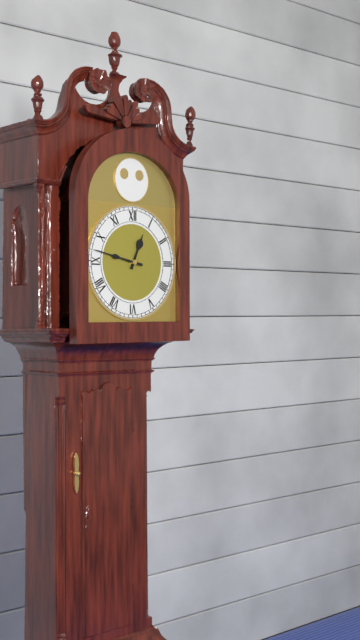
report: 12h47
